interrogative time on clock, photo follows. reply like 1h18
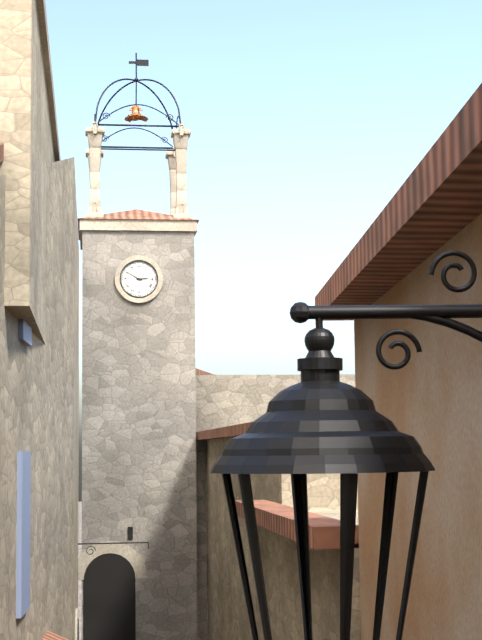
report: 2h50
